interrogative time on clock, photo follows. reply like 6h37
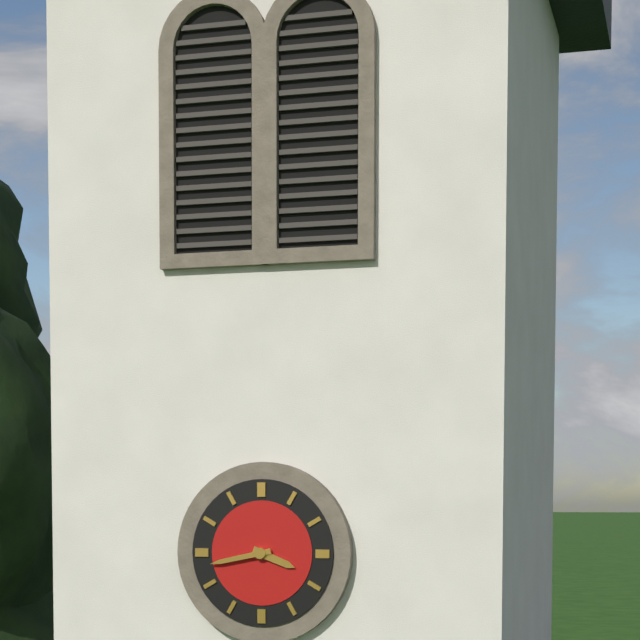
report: 3h43
